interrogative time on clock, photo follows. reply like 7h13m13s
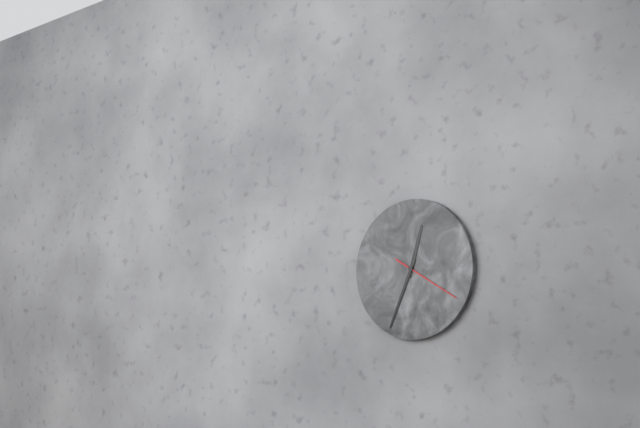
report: 12h34m20s
